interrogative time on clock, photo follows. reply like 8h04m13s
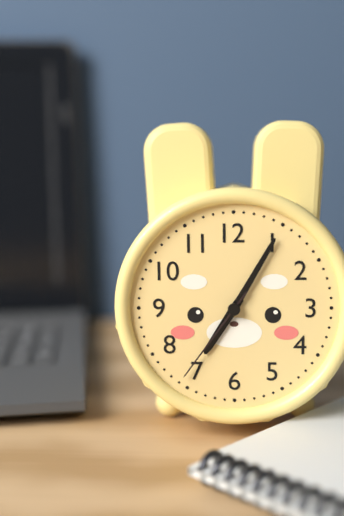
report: 7h05m36s
